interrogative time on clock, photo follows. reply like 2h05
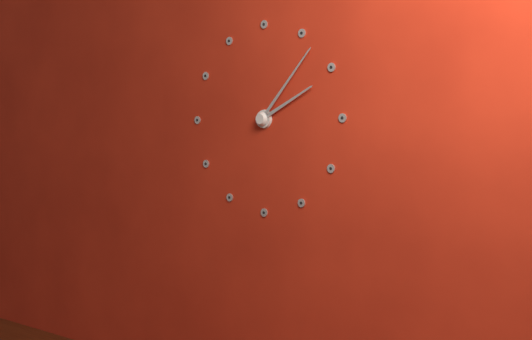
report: 2h07
